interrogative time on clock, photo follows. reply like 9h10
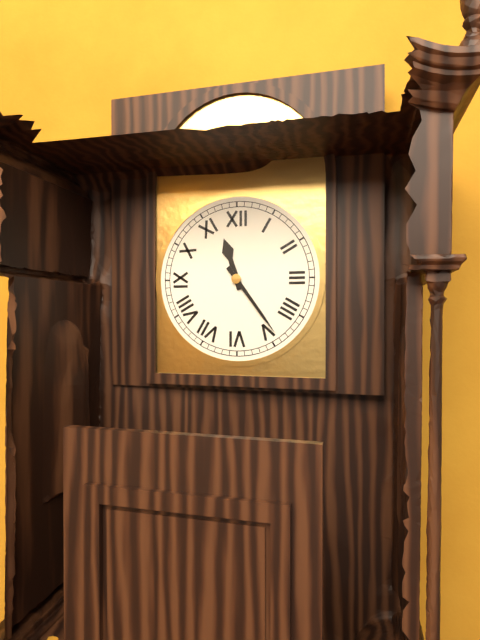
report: 11h24
